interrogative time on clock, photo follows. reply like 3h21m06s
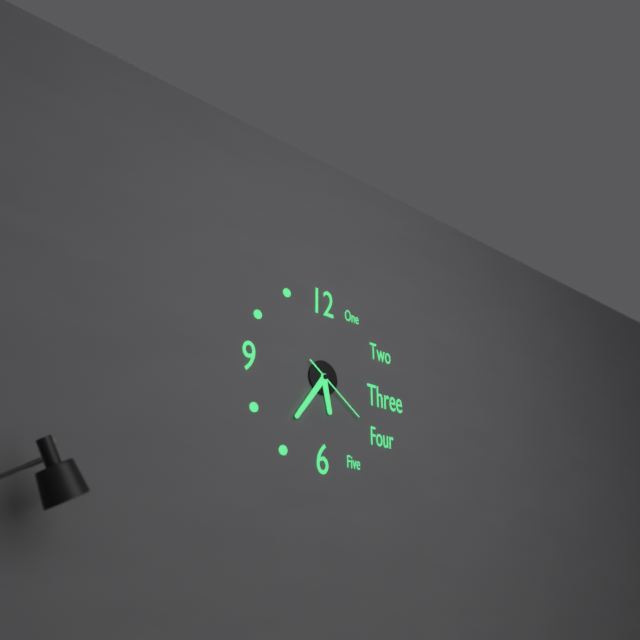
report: 5h36m21s
